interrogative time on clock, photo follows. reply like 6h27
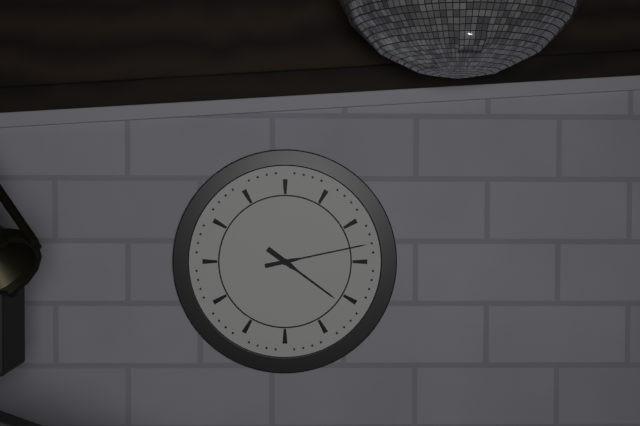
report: 4h13
